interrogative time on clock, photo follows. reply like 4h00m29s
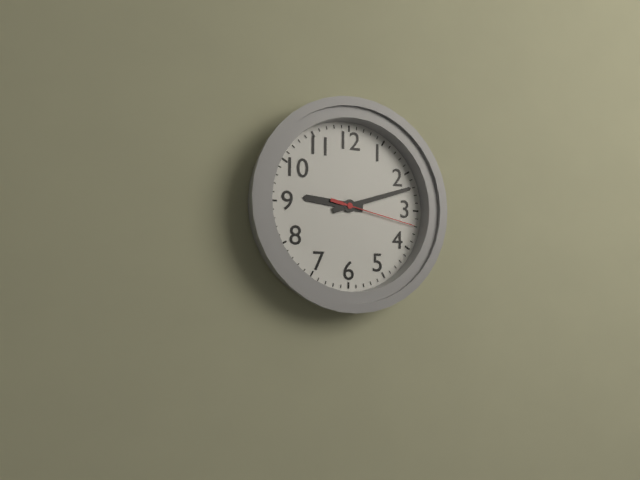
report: 9h12m17s
